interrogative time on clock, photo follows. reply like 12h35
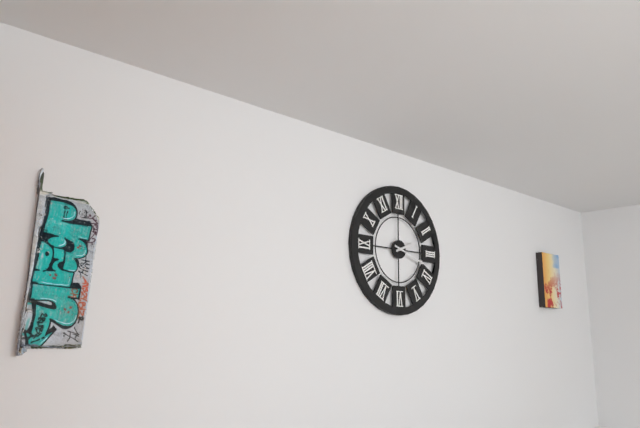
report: 2h18
